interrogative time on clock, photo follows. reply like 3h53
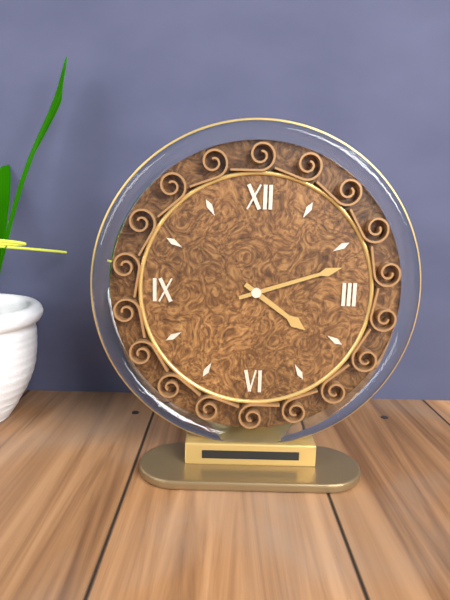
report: 4h12
